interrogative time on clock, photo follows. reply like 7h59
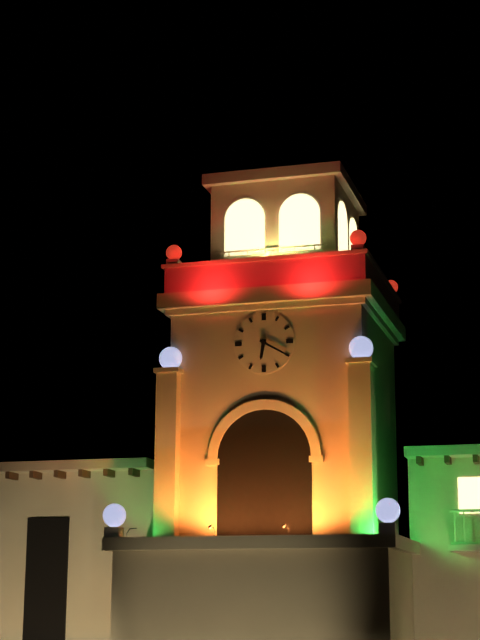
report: 6h20
